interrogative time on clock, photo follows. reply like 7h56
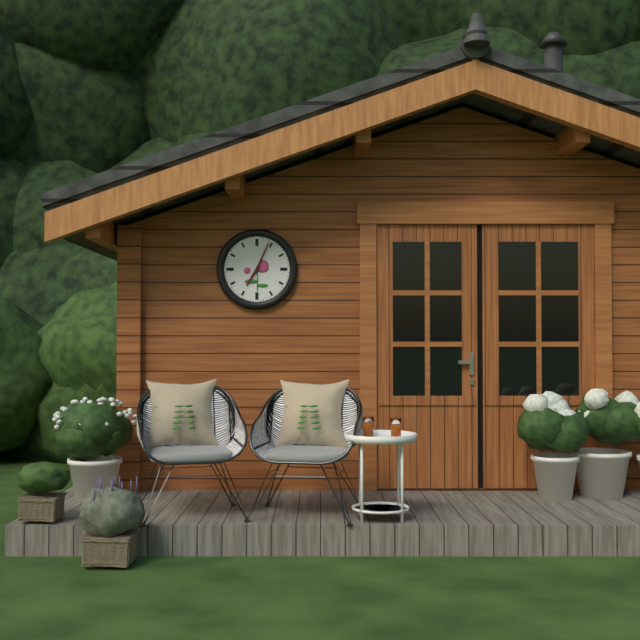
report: 7h04
